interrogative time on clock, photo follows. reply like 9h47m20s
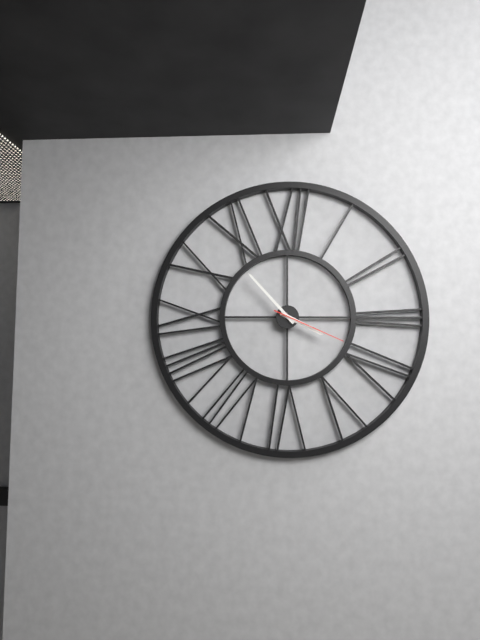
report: 3h53m19s
